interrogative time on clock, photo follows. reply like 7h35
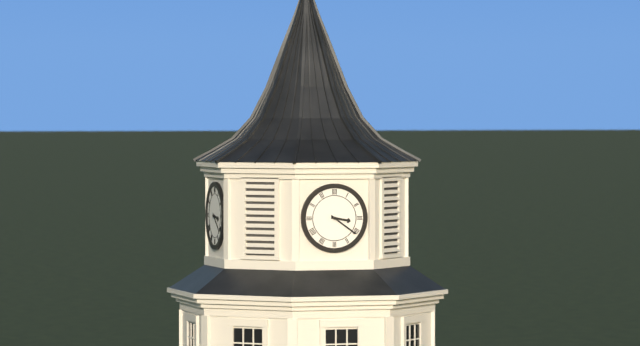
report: 3h21
